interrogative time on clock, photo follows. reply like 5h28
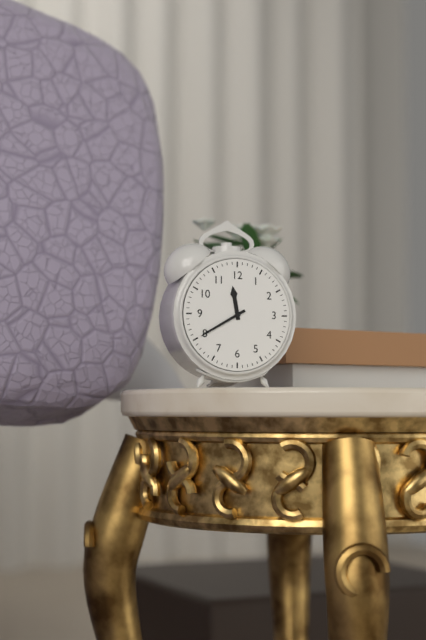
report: 11h40
